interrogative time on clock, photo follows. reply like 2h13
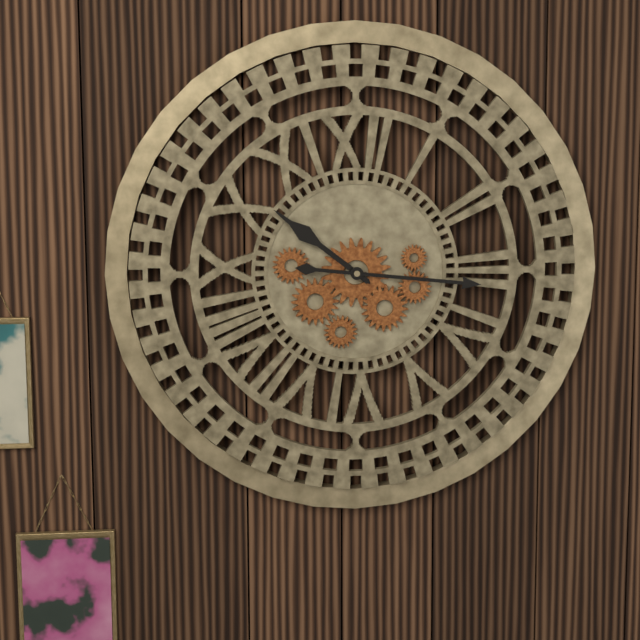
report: 10h16
